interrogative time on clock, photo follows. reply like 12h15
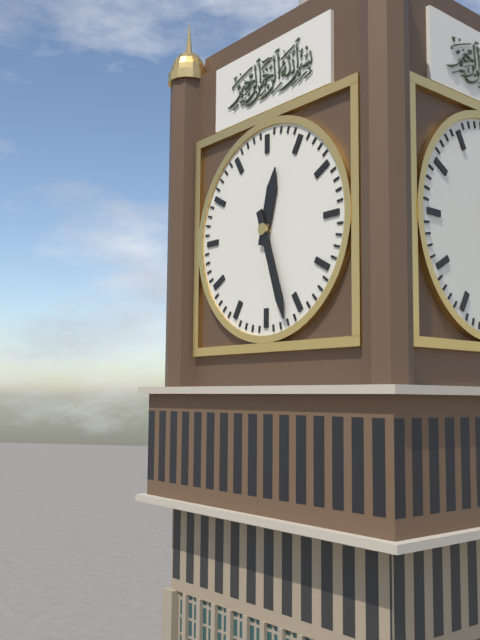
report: 12h27
